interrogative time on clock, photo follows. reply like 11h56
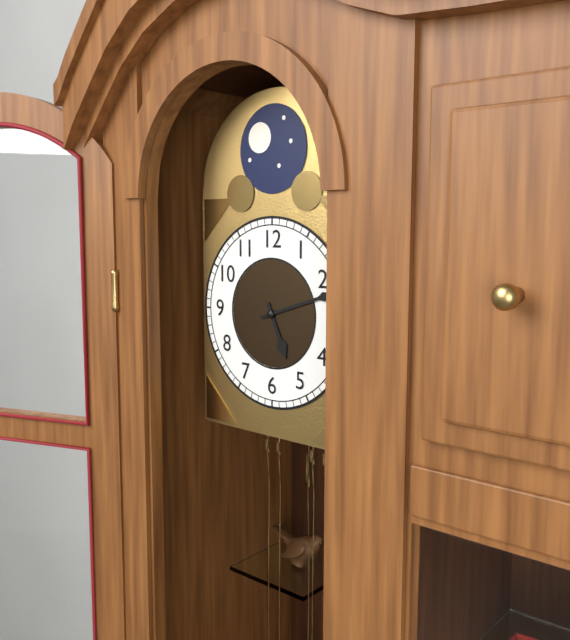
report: 5h12
